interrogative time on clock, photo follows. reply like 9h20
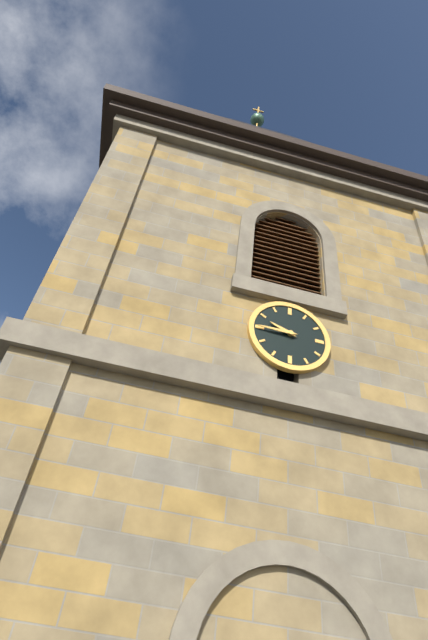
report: 9h45
